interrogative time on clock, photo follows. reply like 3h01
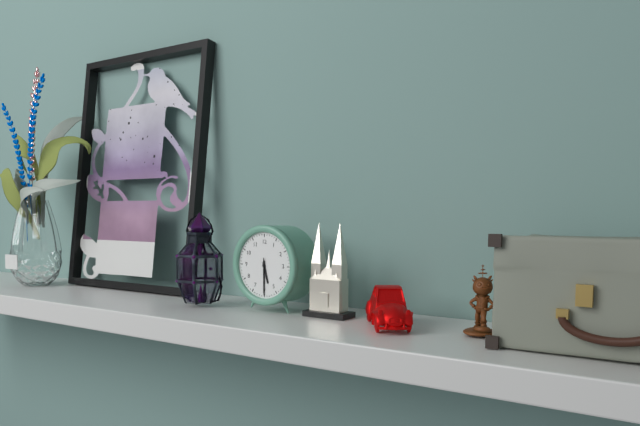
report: 5h30
